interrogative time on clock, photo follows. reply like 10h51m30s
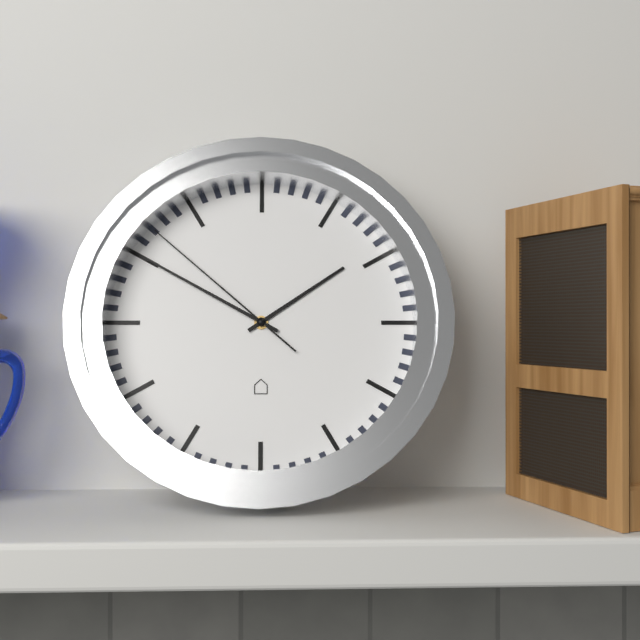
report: 1h50m52s
